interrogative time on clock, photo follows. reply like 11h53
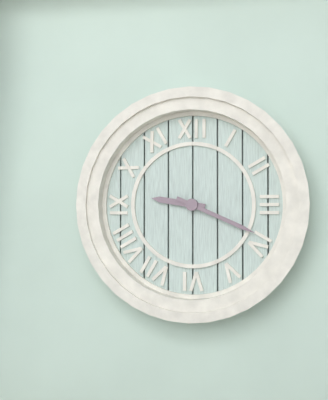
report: 9h19
